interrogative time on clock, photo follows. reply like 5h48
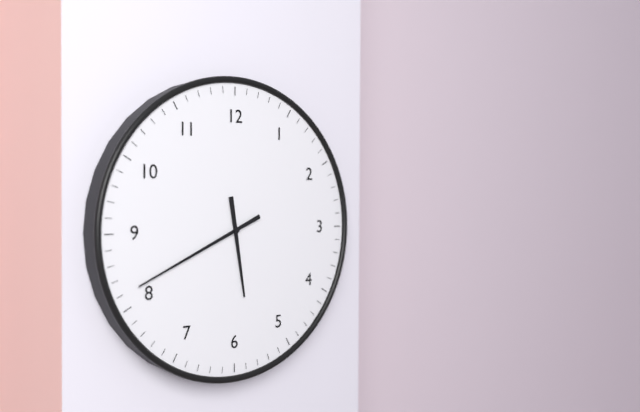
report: 5h41
